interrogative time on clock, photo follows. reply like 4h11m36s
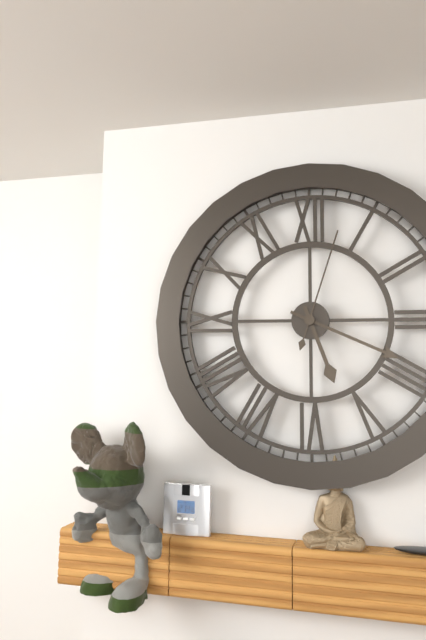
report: 5h19m03s
